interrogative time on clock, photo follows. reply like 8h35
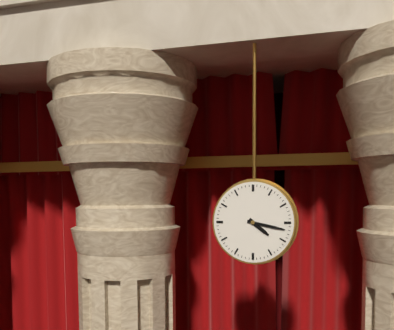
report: 4h17
